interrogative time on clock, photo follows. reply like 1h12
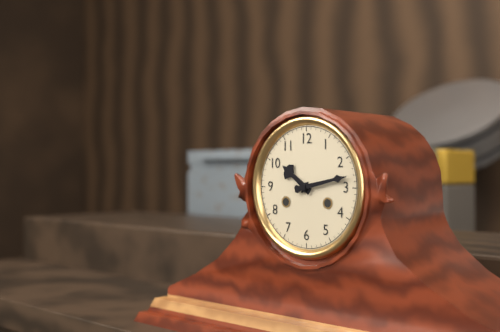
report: 10h13
